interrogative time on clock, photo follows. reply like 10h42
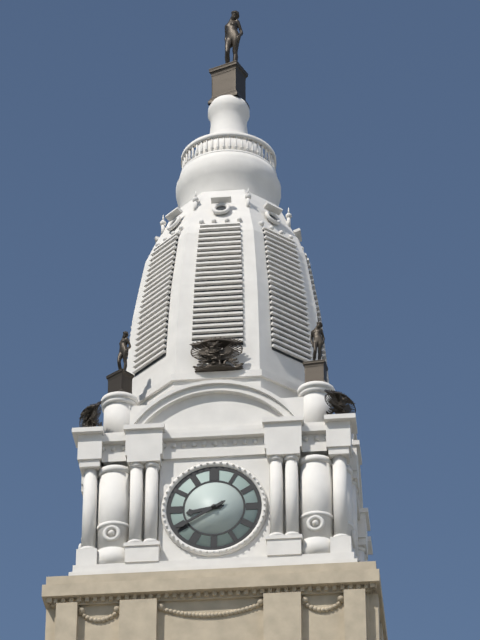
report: 8h40
